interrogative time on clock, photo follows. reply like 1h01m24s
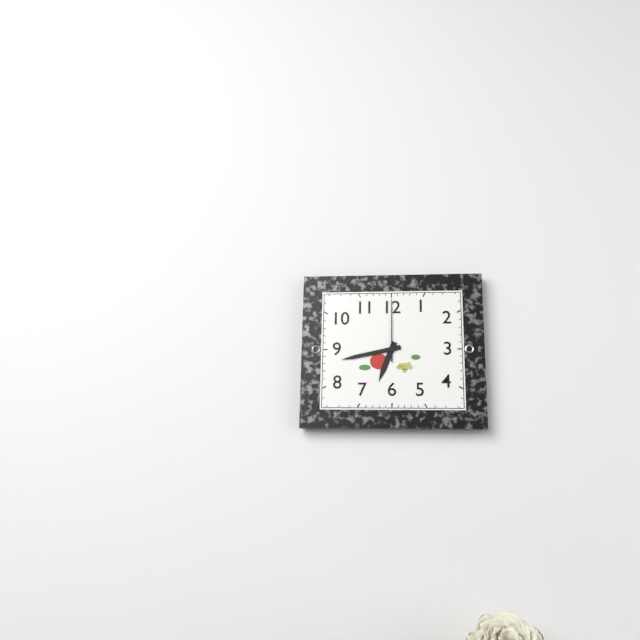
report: 6h43m00s
